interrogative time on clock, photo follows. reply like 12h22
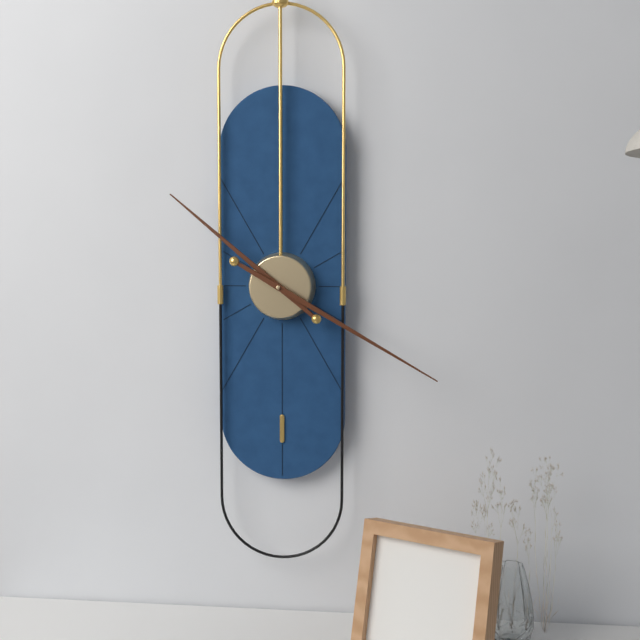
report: 10h20
